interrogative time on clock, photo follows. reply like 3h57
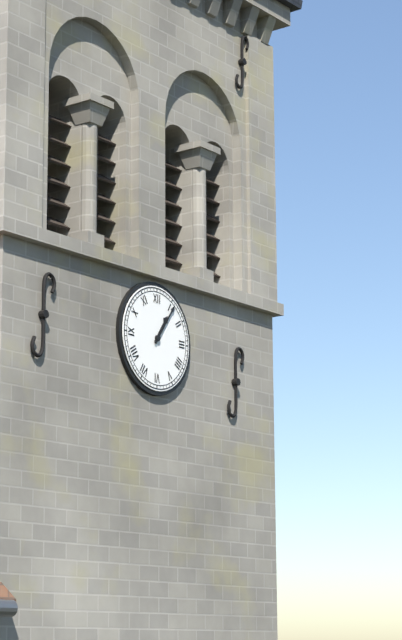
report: 1h06
